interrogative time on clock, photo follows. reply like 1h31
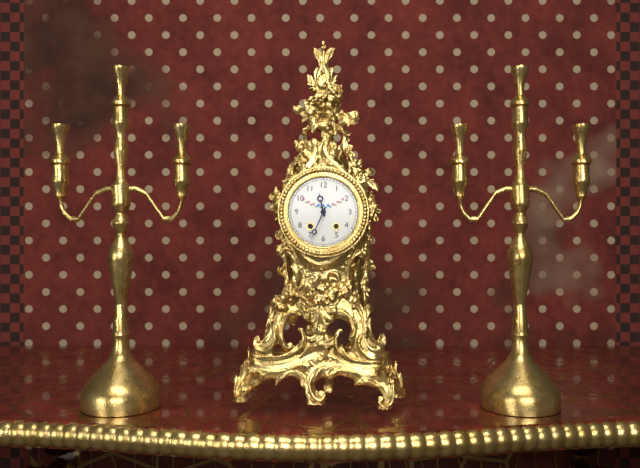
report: 11h34
